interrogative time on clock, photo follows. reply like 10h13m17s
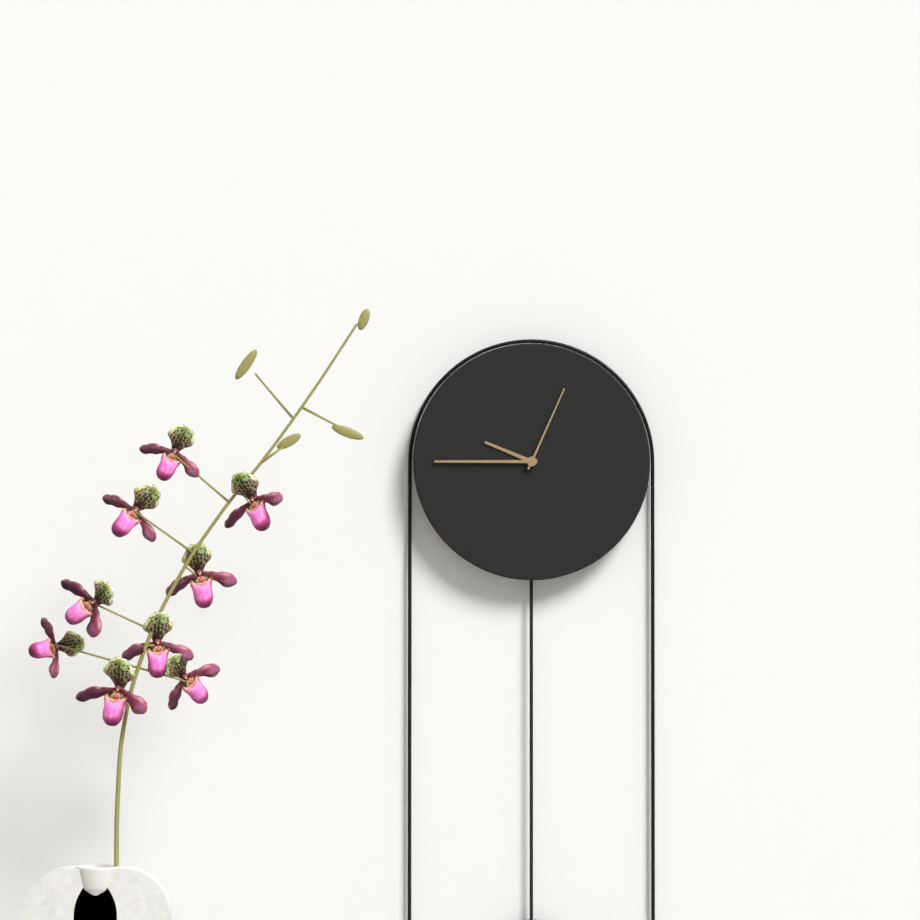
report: 9h45m04s
